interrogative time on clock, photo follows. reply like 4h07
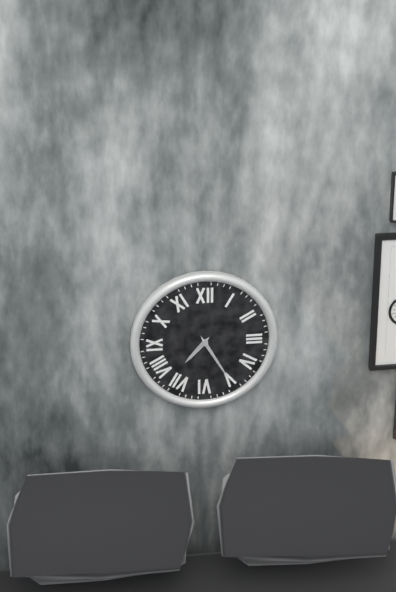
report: 7h25
